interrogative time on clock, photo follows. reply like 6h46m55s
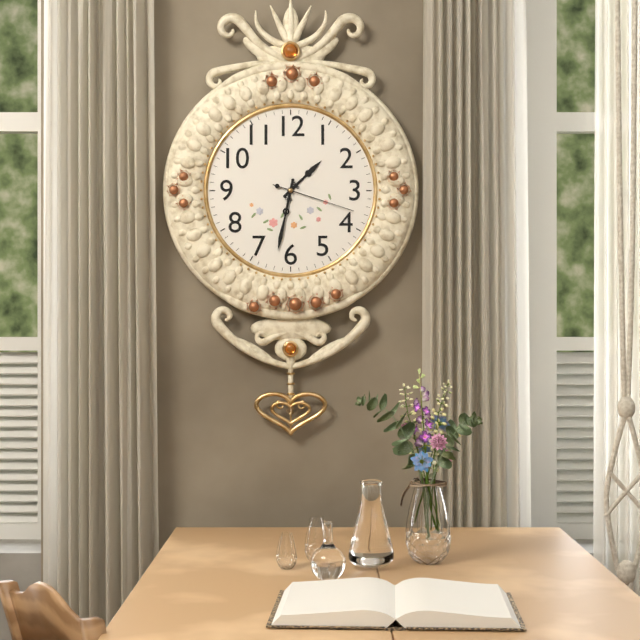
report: 1h32m18s
